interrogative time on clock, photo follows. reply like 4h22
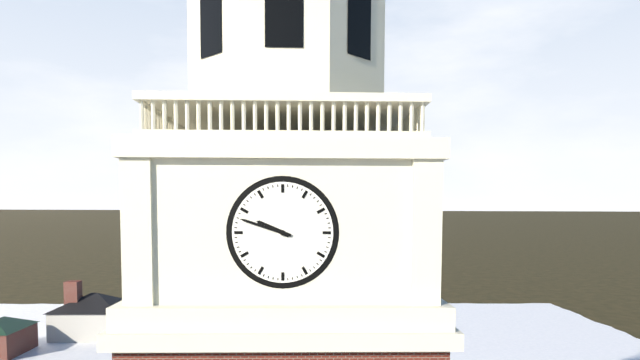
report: 9h48
